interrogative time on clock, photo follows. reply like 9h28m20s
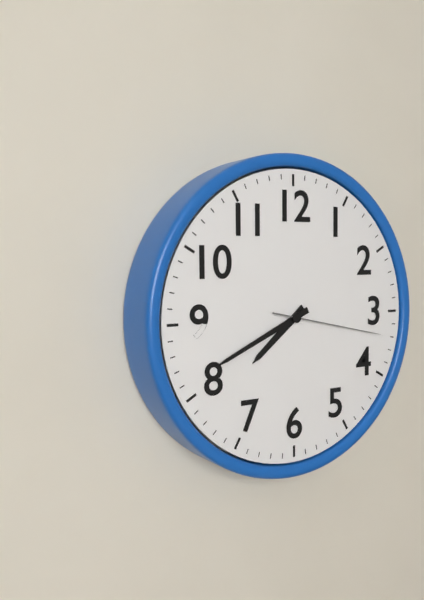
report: 7h41m17s
